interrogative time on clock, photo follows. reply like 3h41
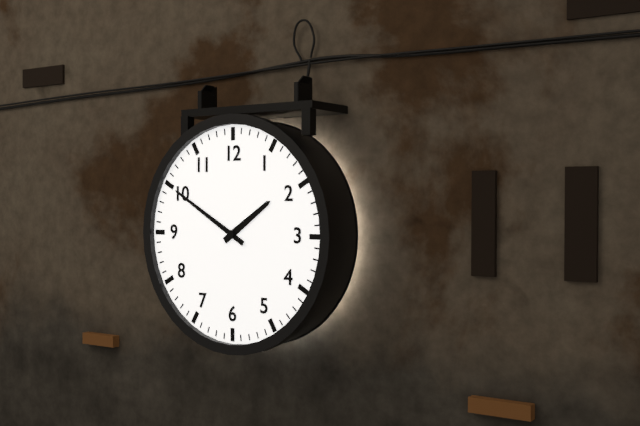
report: 1h50
